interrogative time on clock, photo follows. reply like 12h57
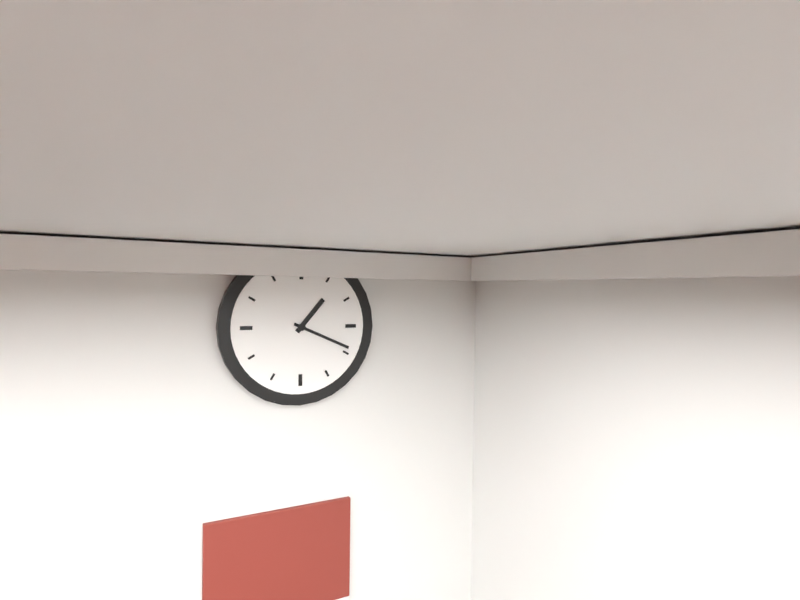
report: 1h19
